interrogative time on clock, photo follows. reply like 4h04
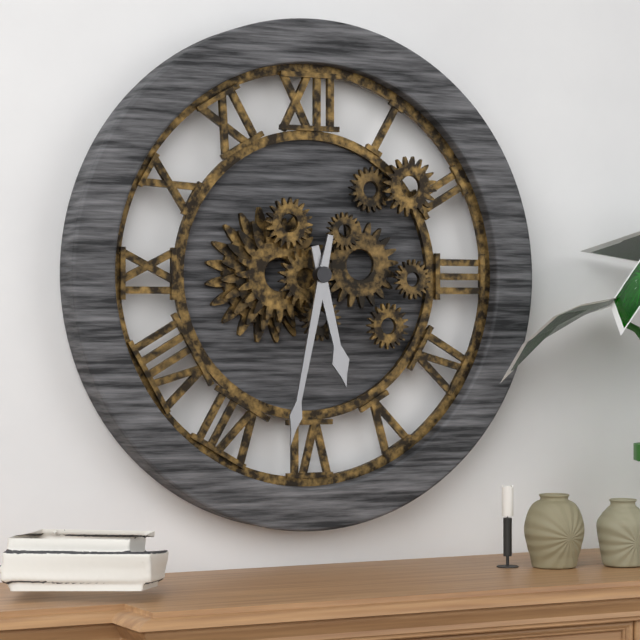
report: 5h32
